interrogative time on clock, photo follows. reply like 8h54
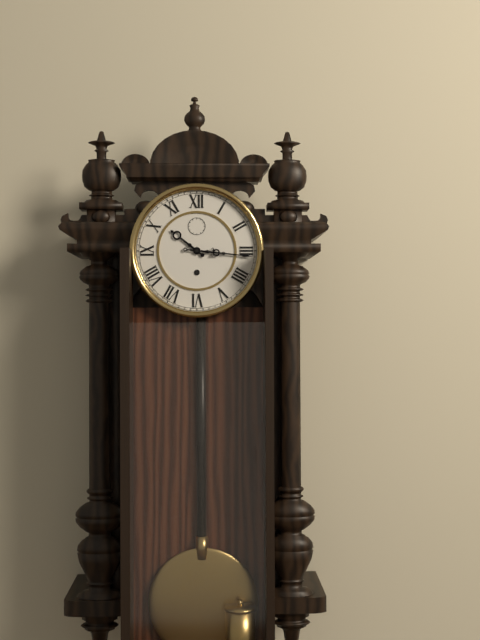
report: 10h16
